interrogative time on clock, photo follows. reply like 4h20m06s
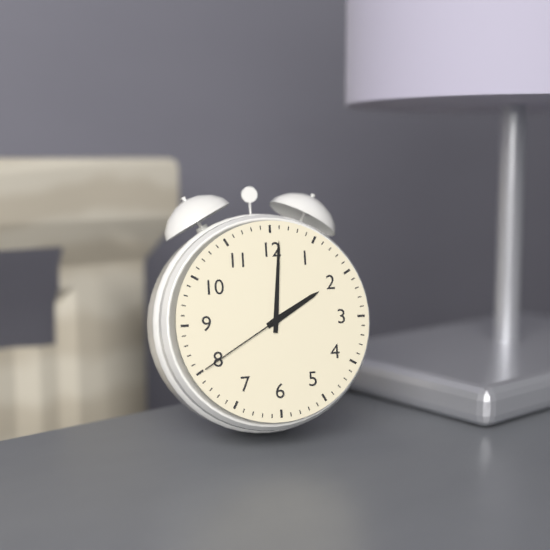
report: 2h01m40s
